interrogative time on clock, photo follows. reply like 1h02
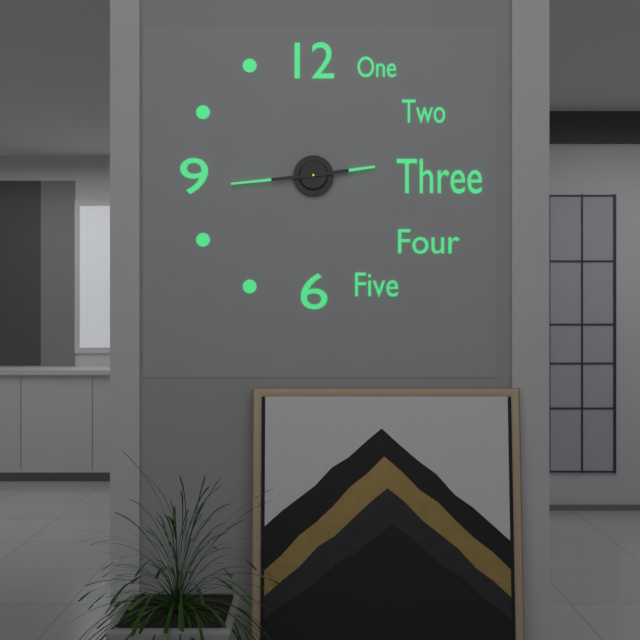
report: 2h44
